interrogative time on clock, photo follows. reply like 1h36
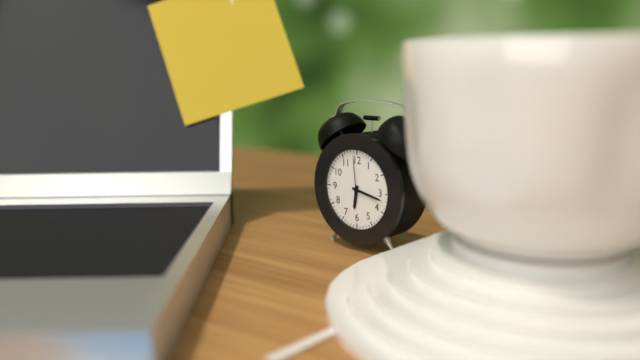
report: 6h17
